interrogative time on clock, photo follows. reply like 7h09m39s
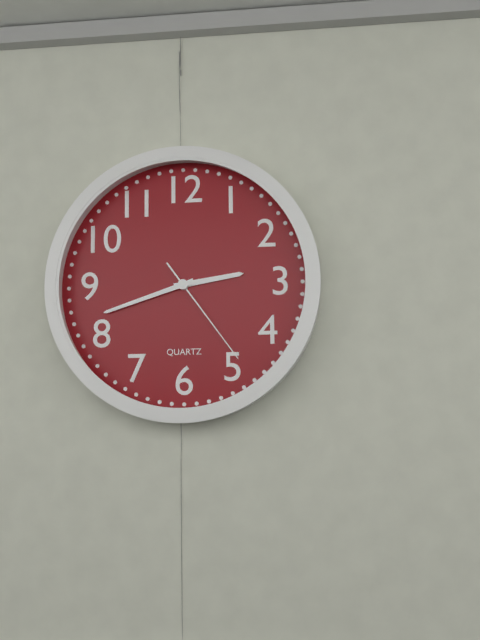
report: 2h42m24s
